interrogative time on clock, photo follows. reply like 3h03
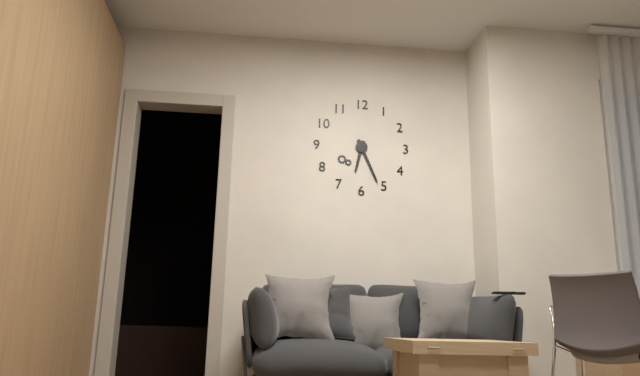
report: 6h26
